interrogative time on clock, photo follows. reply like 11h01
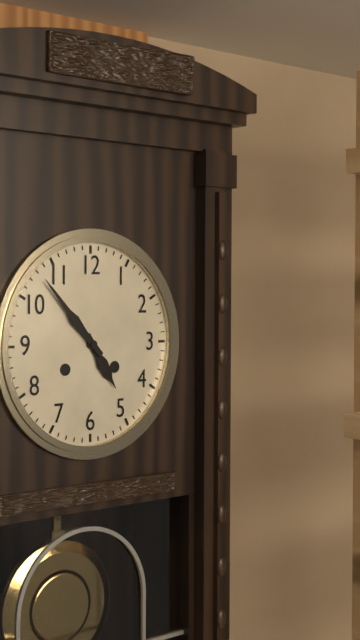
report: 4h53
